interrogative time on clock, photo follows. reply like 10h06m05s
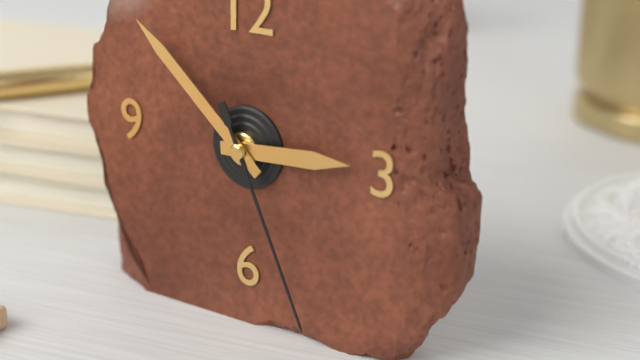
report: 2h52m26s
